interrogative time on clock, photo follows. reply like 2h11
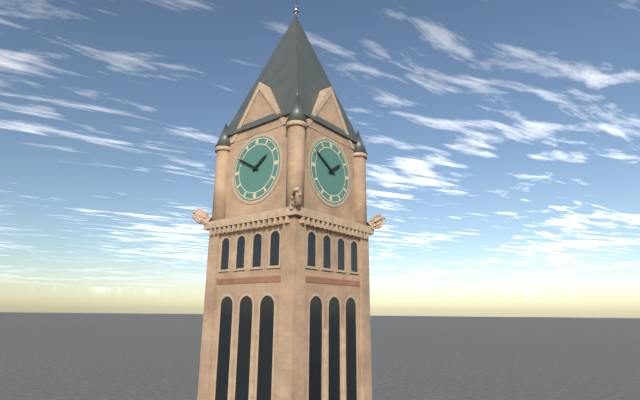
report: 1h50
